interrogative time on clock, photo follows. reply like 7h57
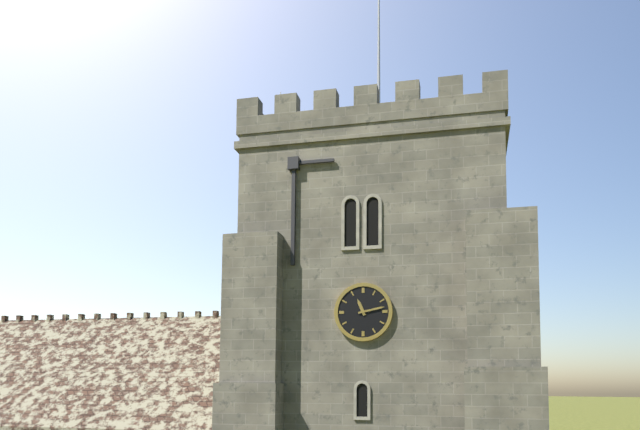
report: 11h13
